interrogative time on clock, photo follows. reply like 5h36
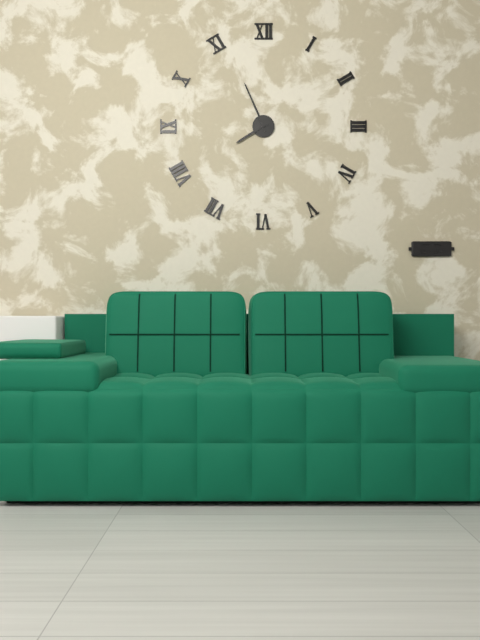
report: 7h56
